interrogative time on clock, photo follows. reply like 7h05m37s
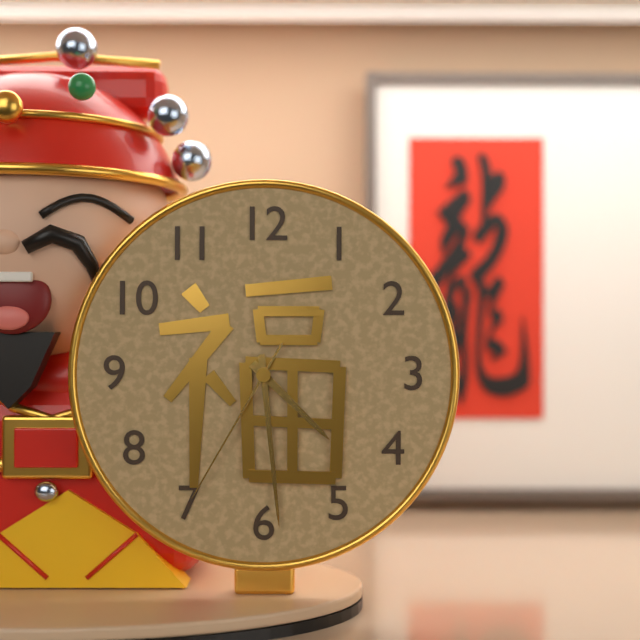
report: 4h29m35s
